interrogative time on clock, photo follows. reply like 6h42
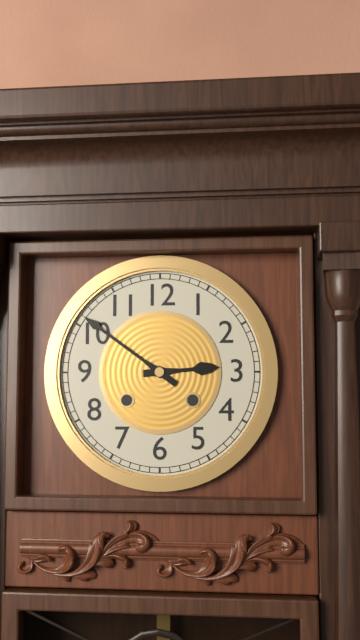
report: 2h51
